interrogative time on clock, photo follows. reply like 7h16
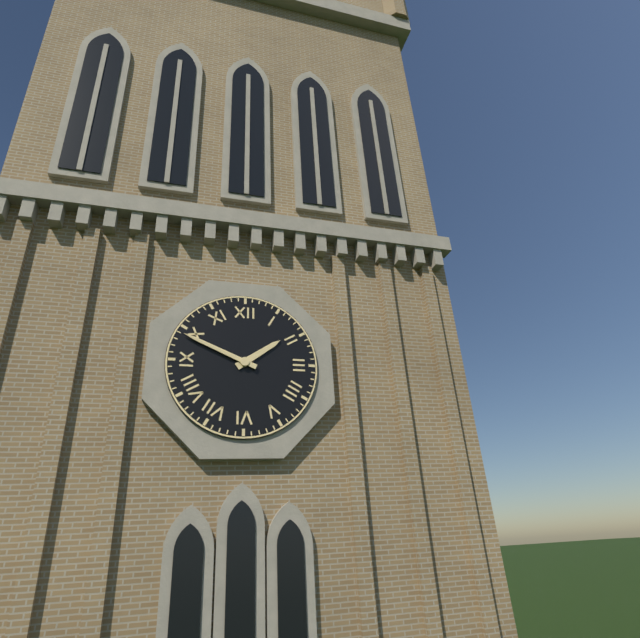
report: 1h49
